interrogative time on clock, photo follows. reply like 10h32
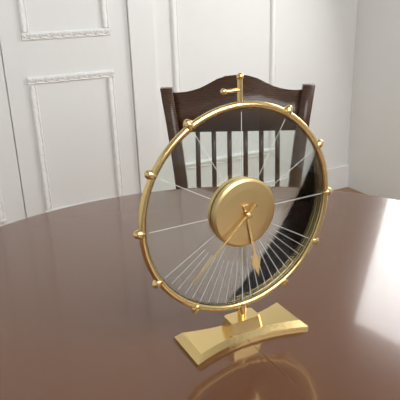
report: 5h38
